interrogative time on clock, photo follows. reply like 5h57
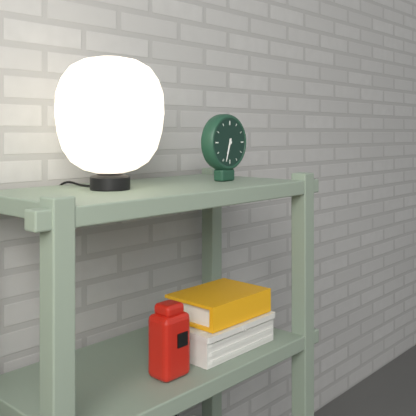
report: 6h33
